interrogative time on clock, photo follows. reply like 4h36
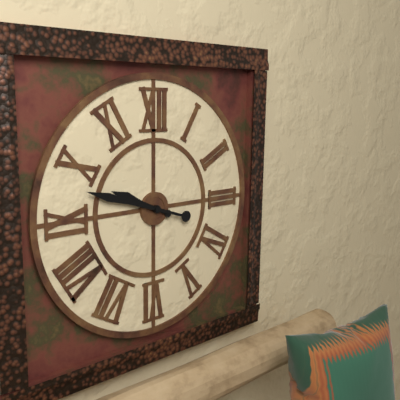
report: 9h48
